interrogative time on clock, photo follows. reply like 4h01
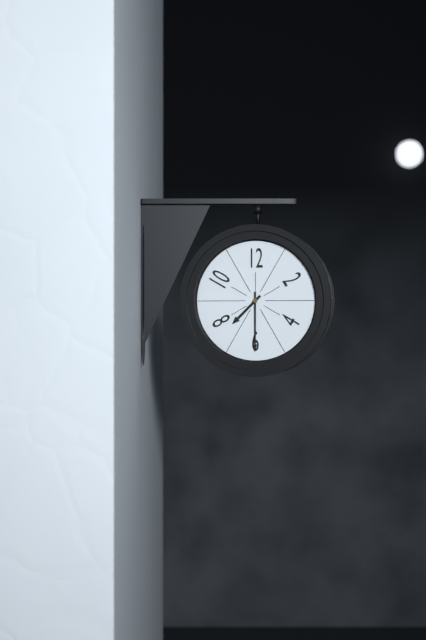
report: 7h30
